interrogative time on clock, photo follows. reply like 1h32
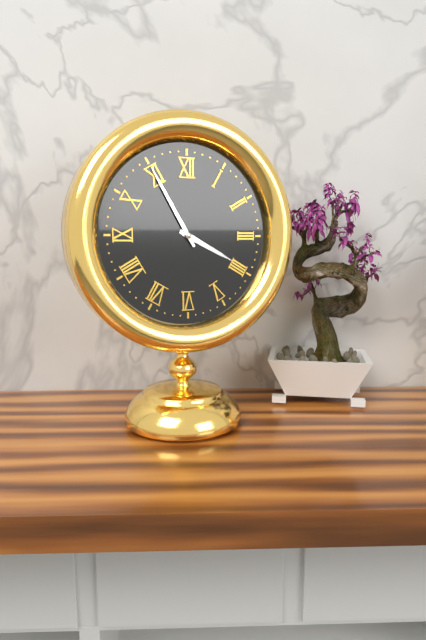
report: 3h55
